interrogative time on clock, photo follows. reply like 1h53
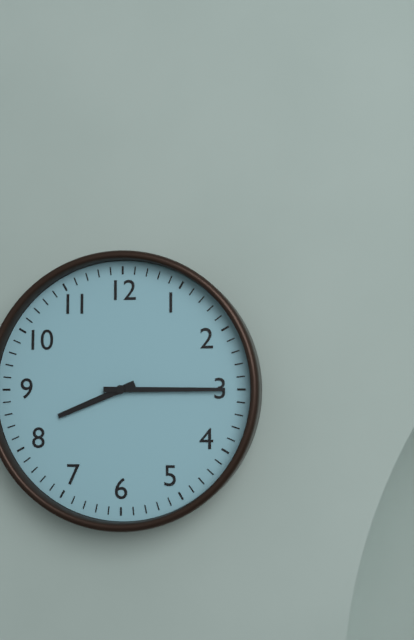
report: 8h15
